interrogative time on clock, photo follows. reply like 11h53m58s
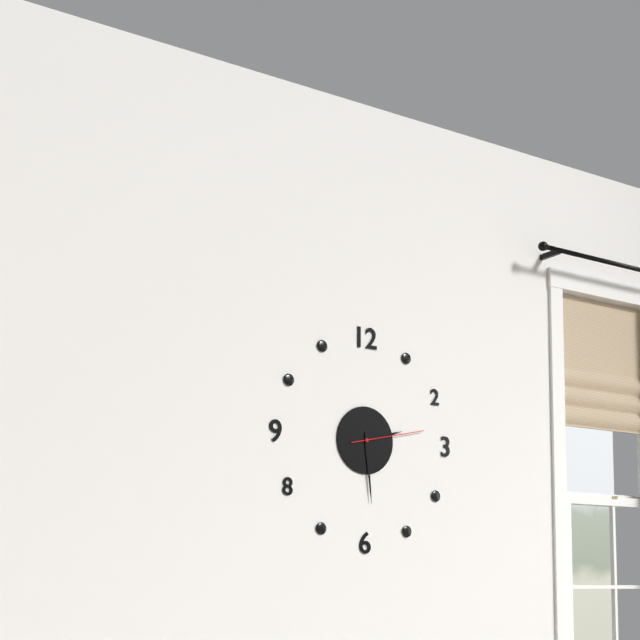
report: 2h29m13s
